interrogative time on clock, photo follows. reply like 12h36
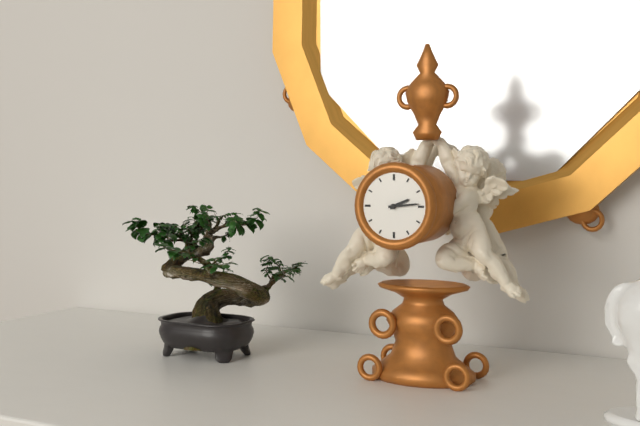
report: 2h14
